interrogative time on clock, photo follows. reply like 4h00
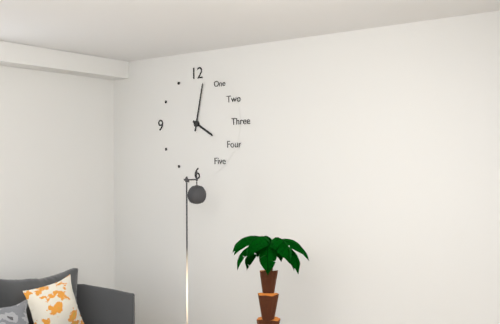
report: 4h02
